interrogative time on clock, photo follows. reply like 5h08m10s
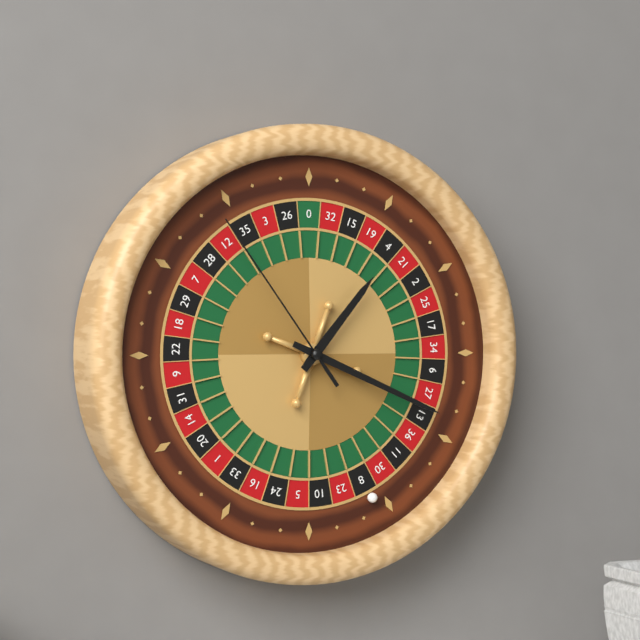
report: 1h19m54s
